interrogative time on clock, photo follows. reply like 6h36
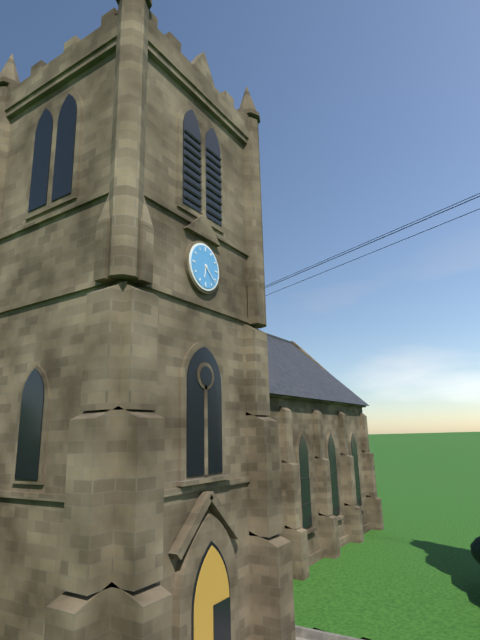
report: 6h22
